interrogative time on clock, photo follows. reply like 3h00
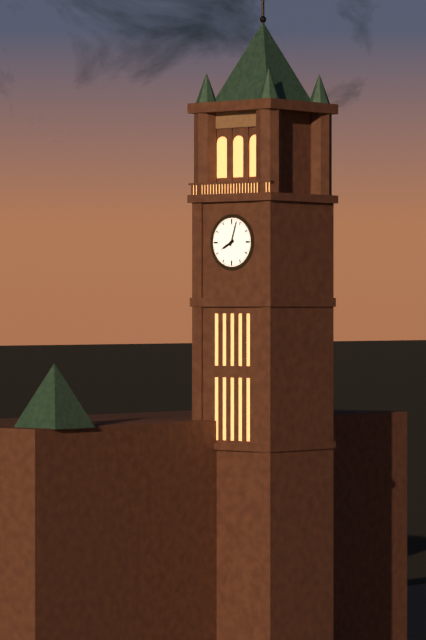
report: 8h03
